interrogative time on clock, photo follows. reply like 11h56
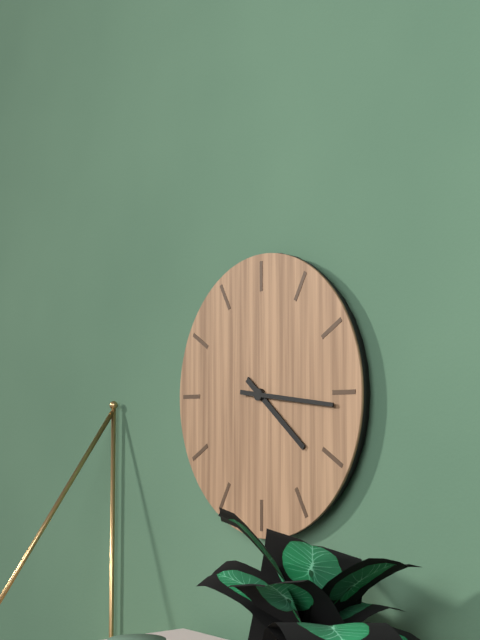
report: 4h16
